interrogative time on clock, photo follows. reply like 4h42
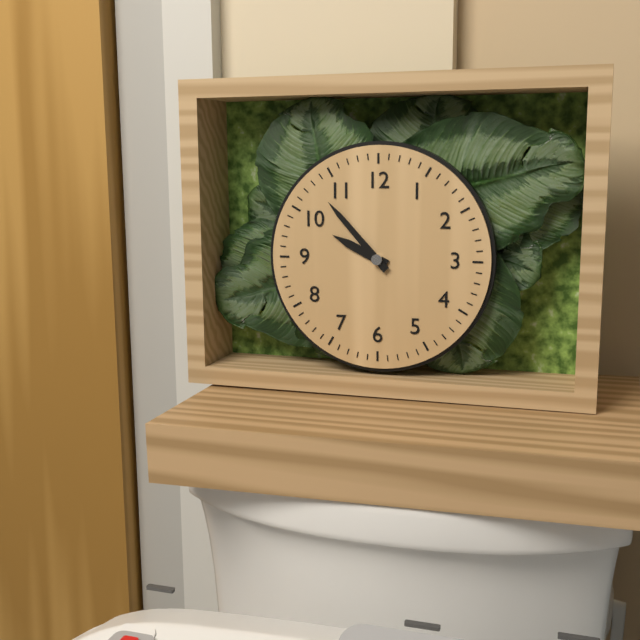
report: 9h53
